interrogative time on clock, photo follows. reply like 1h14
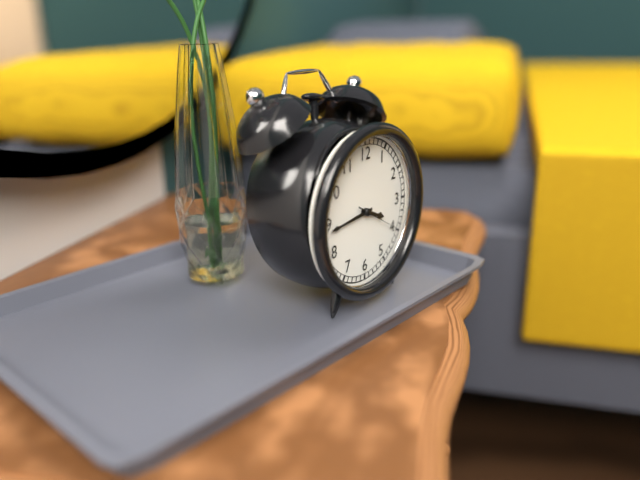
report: 3h44
